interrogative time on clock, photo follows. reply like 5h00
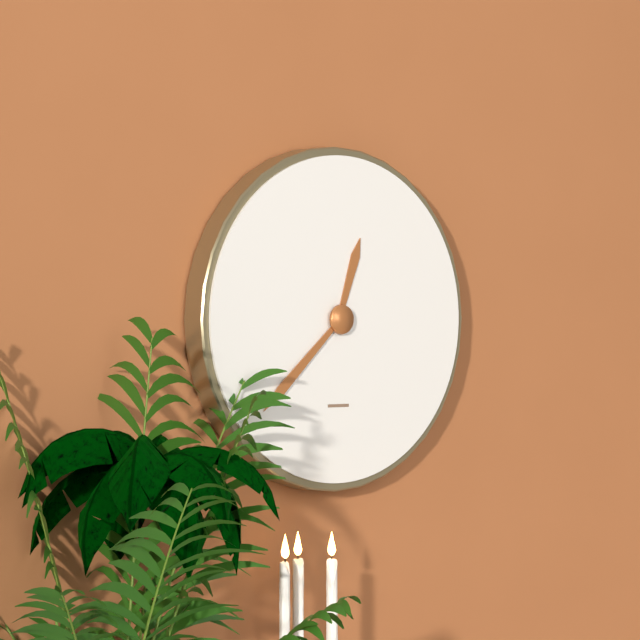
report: 12h38
